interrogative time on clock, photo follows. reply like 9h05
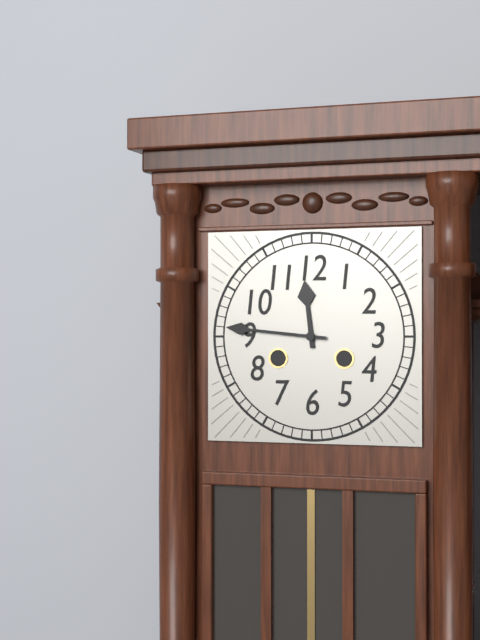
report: 11h46
